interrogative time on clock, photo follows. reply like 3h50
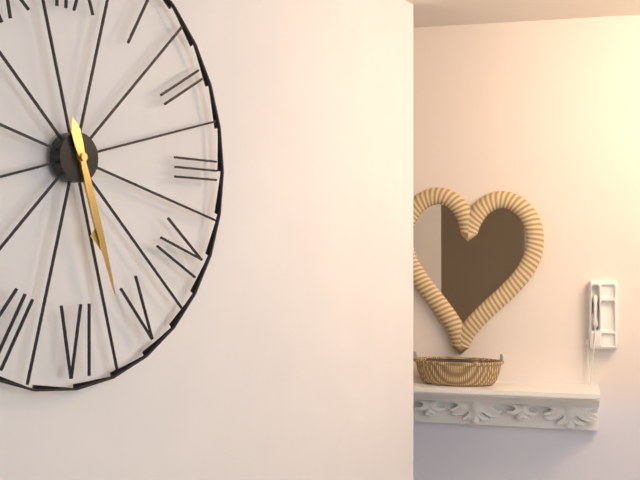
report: 5h27
